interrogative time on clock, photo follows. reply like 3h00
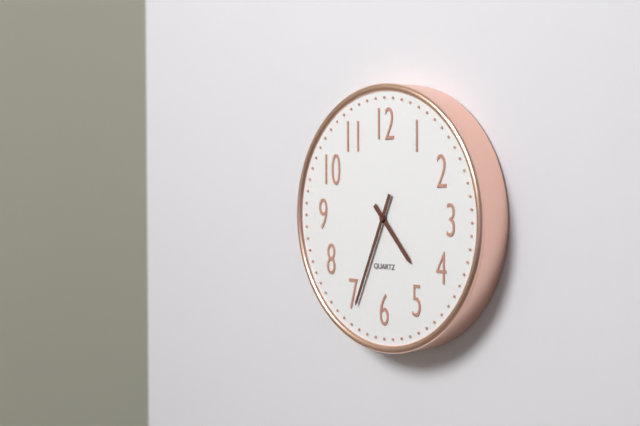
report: 4h34
